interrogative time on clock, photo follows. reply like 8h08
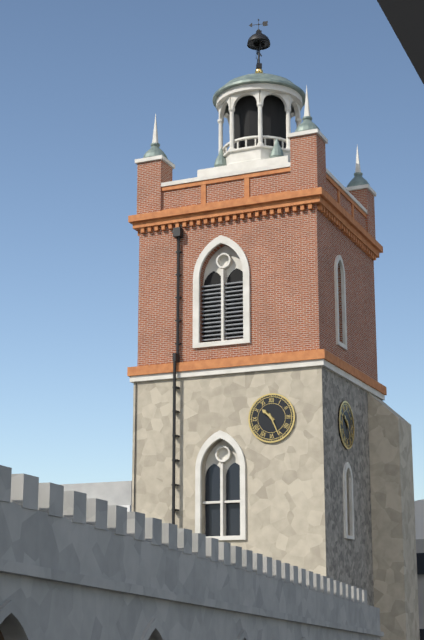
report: 10h26
